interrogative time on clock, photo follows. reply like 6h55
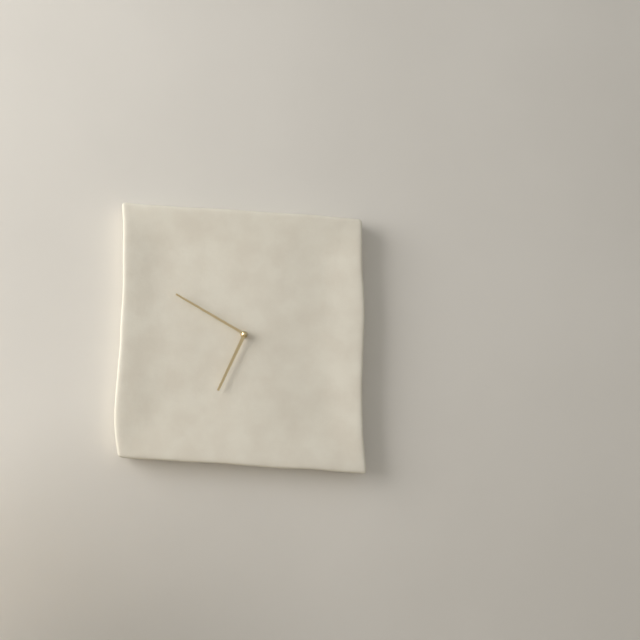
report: 6h50
